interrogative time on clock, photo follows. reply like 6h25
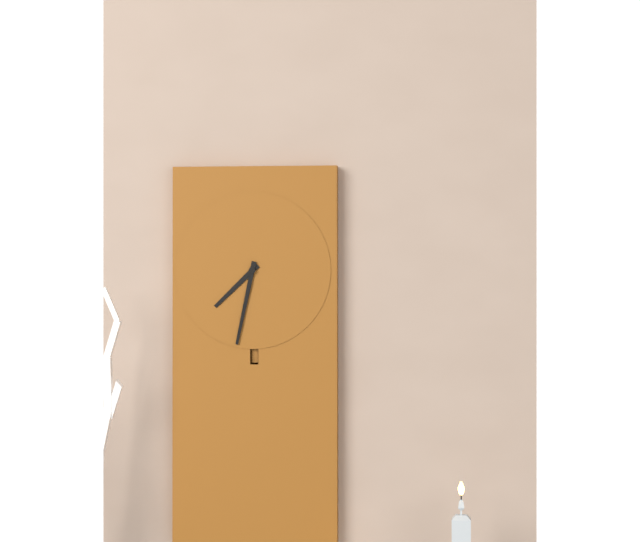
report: 7h32
